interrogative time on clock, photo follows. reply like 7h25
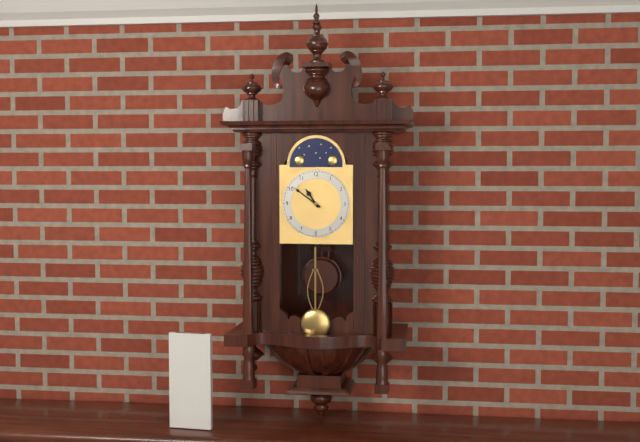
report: 10h51
